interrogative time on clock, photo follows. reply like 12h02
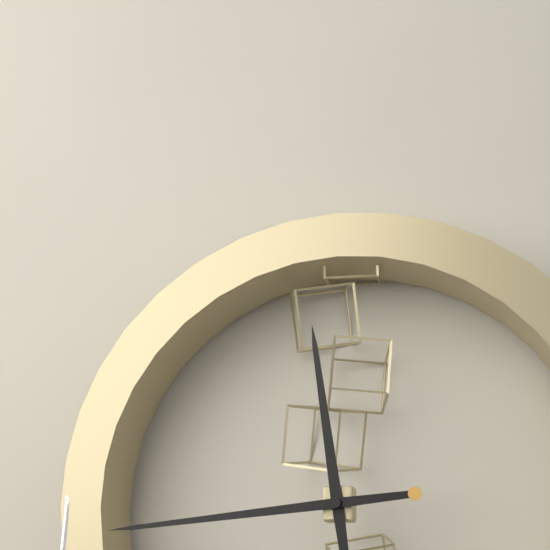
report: 11h44
